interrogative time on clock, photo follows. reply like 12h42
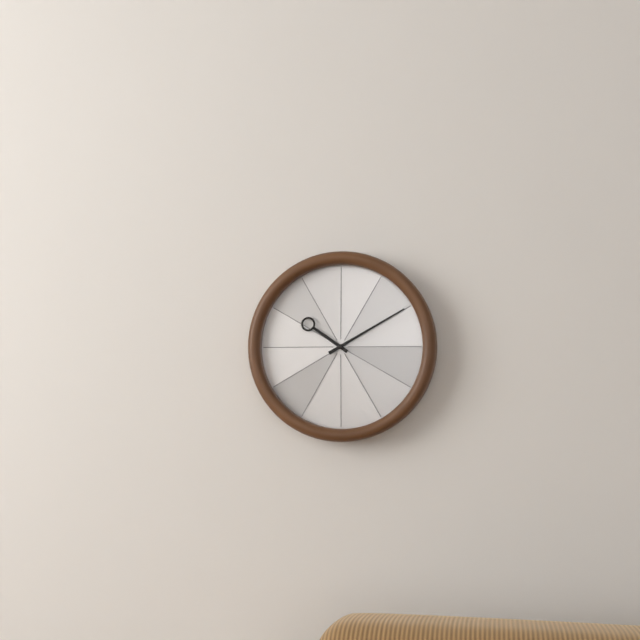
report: 10h10
